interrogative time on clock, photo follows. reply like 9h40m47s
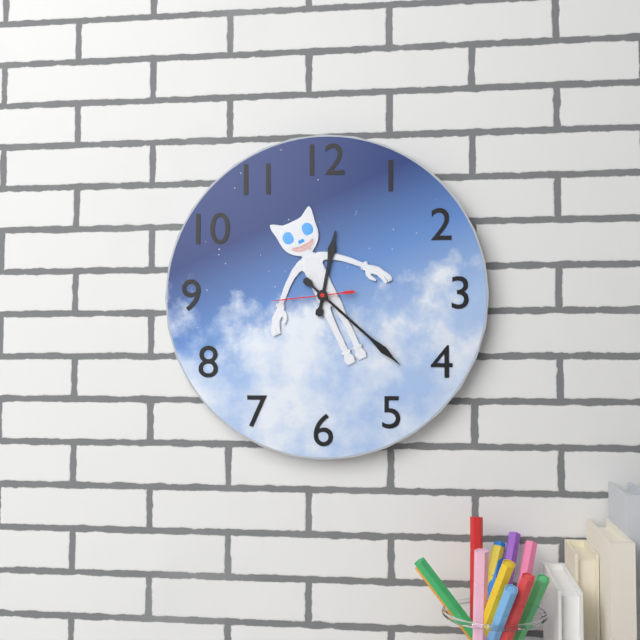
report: 12h22m44s
